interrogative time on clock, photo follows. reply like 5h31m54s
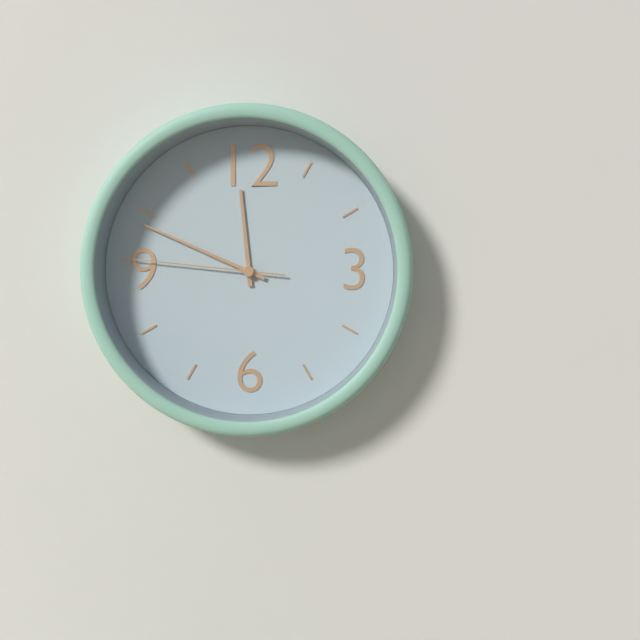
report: 11h49m46s
